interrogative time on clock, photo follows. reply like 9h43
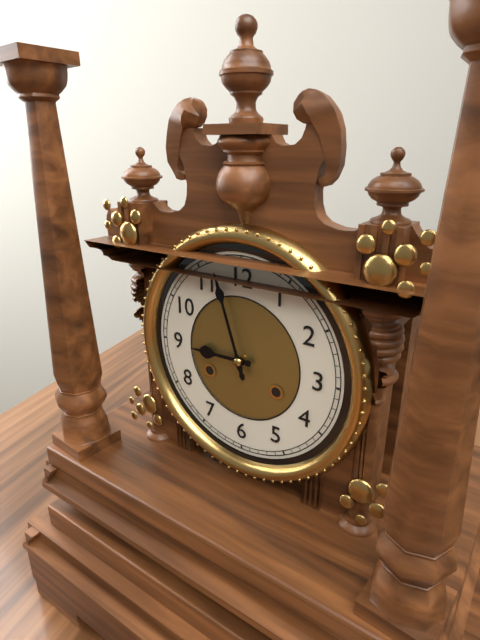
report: 8h57
